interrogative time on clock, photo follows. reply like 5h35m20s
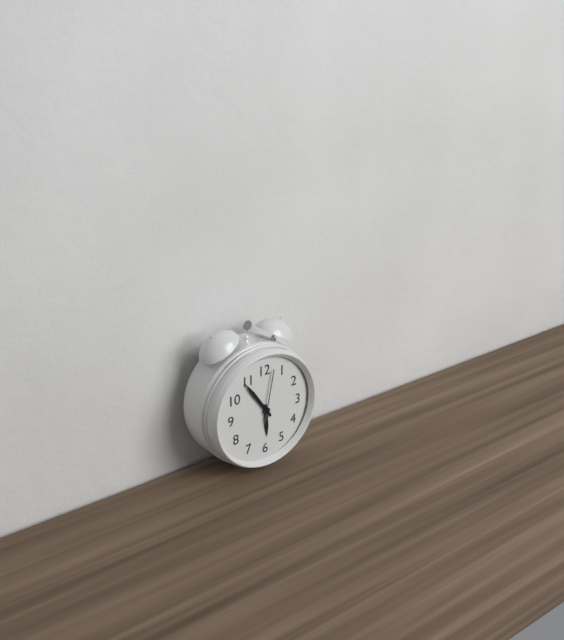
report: 5h54m02s
